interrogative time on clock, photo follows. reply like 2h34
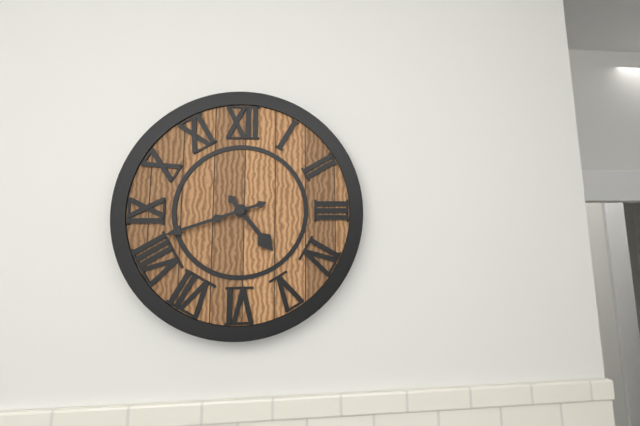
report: 4h42
